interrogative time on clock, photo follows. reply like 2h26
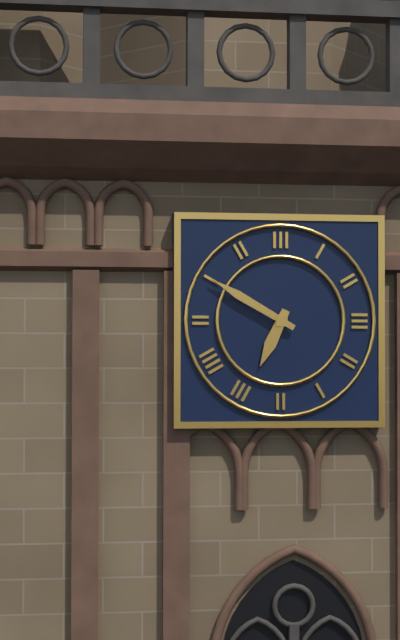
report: 6h50
